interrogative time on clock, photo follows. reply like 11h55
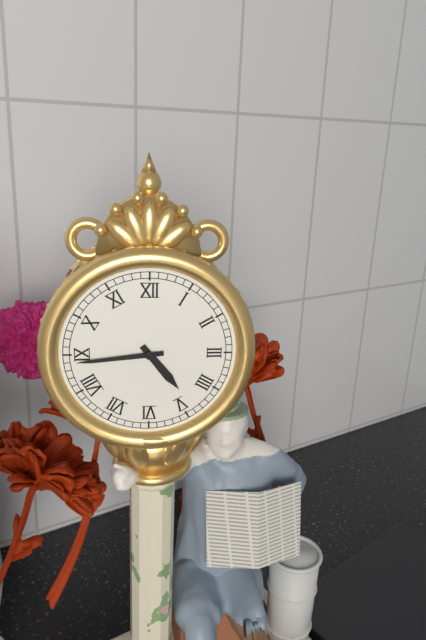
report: 4h44
